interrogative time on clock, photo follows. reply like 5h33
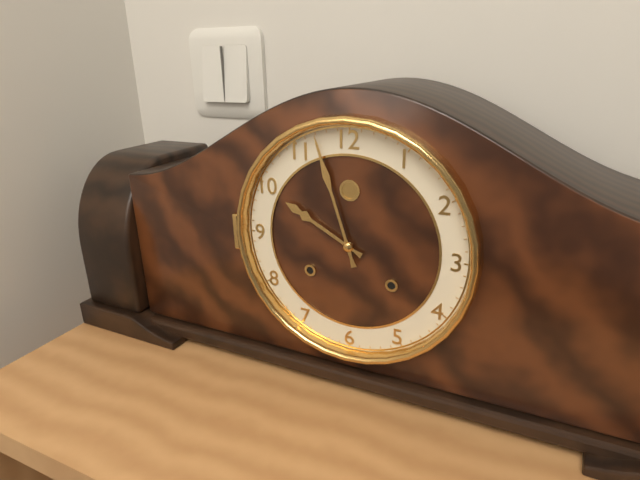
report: 9h57
